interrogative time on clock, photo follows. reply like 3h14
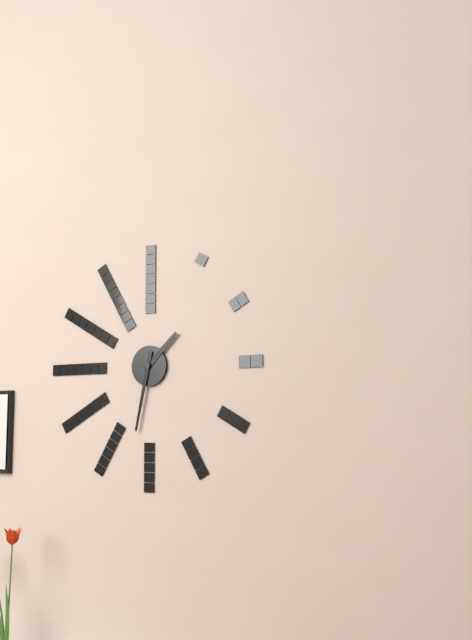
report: 1h32
